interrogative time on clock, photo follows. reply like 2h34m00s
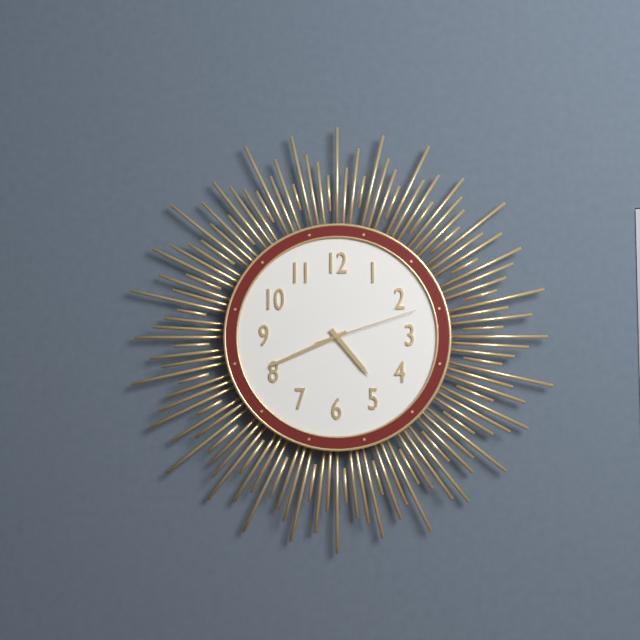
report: 4h41m12s
